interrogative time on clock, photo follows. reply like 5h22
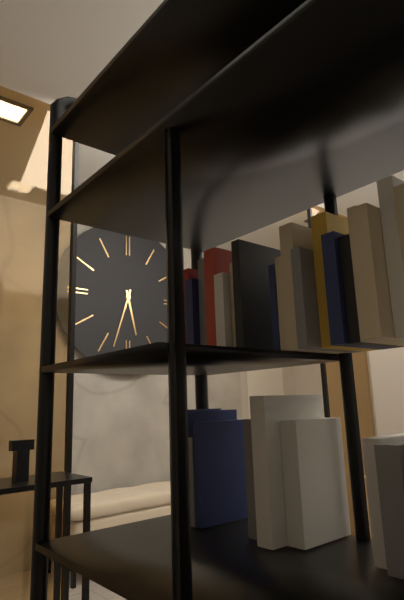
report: 5h33
